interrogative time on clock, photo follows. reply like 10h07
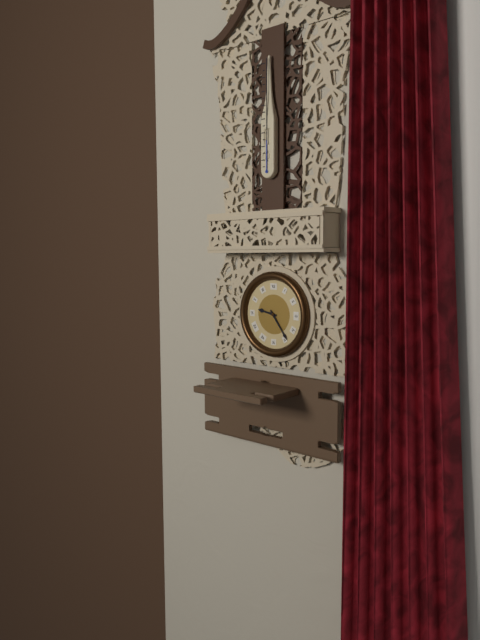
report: 9h24
